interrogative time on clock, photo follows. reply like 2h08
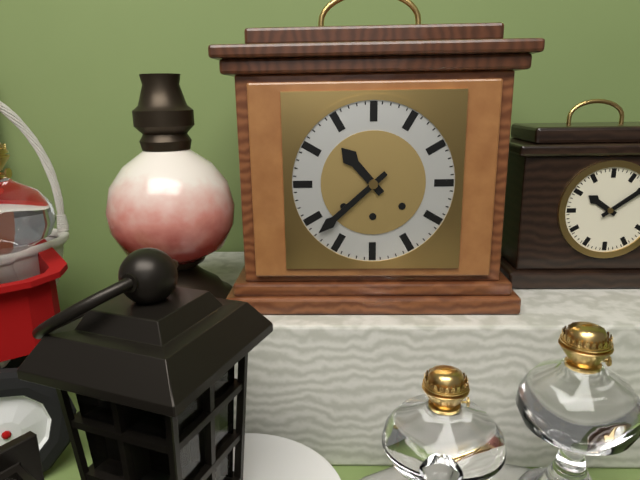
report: 10h38
